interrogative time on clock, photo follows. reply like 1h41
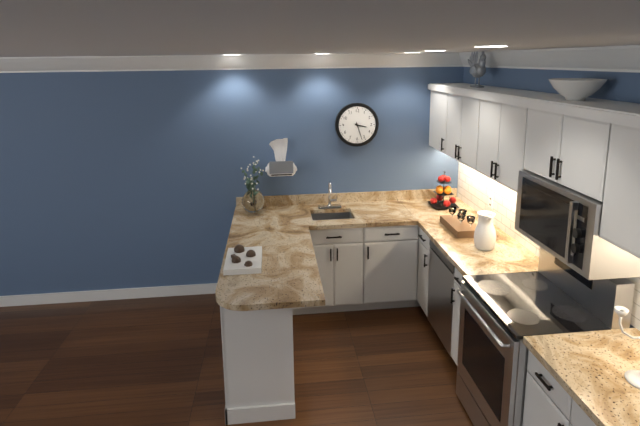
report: 3h27
